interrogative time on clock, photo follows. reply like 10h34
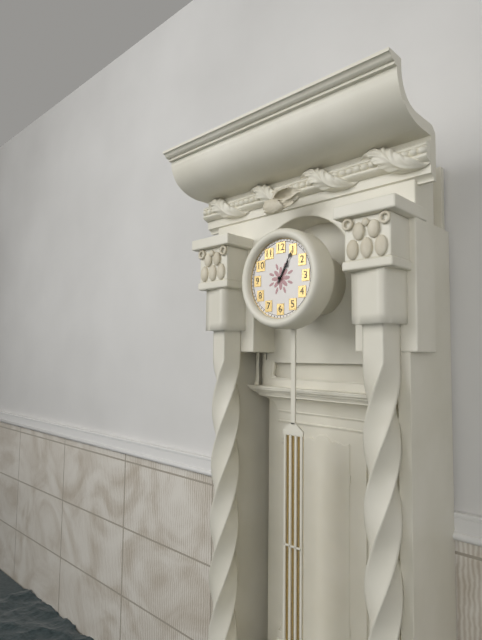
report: 1h05
